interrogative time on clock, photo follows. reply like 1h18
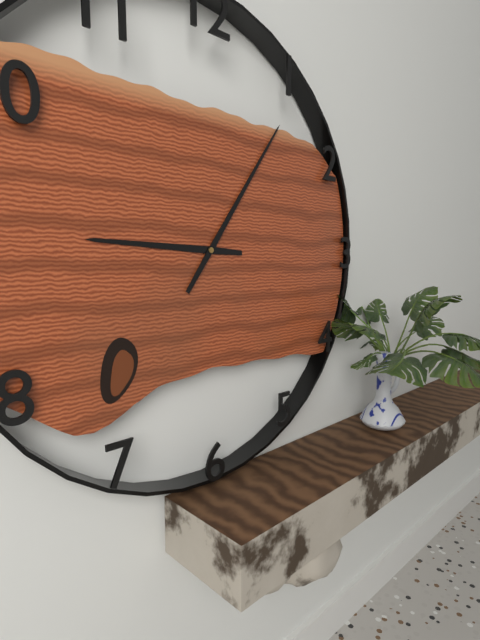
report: 9h06
